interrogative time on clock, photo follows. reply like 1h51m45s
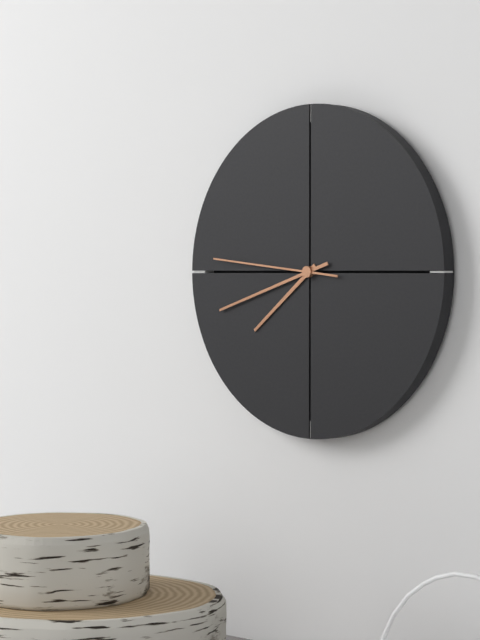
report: 7h42m46s
